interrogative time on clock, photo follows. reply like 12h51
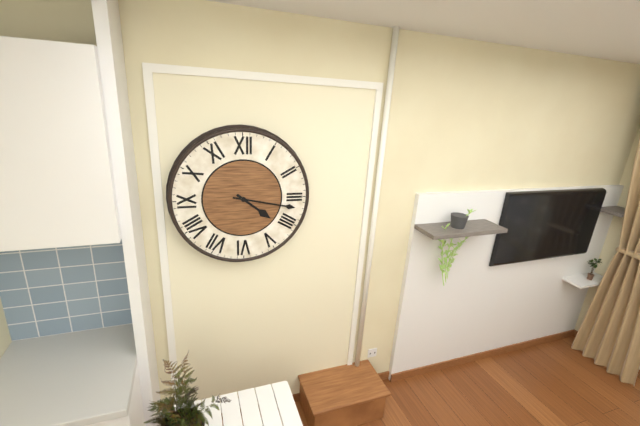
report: 4h17
